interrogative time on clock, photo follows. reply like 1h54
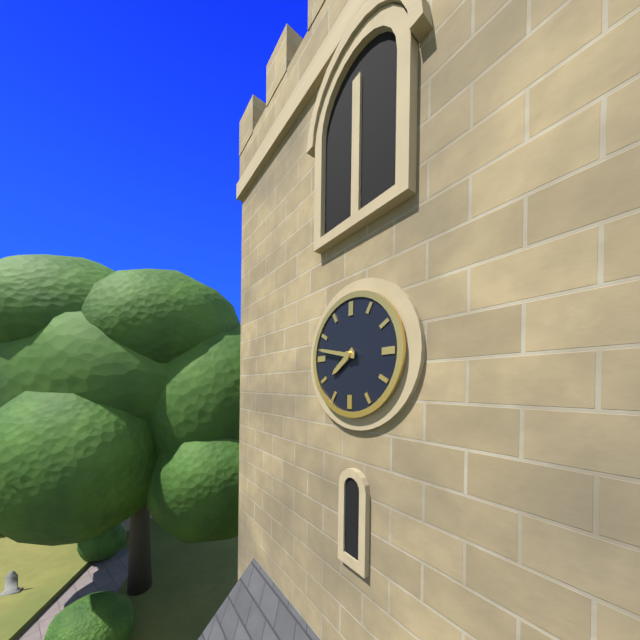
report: 7h47
